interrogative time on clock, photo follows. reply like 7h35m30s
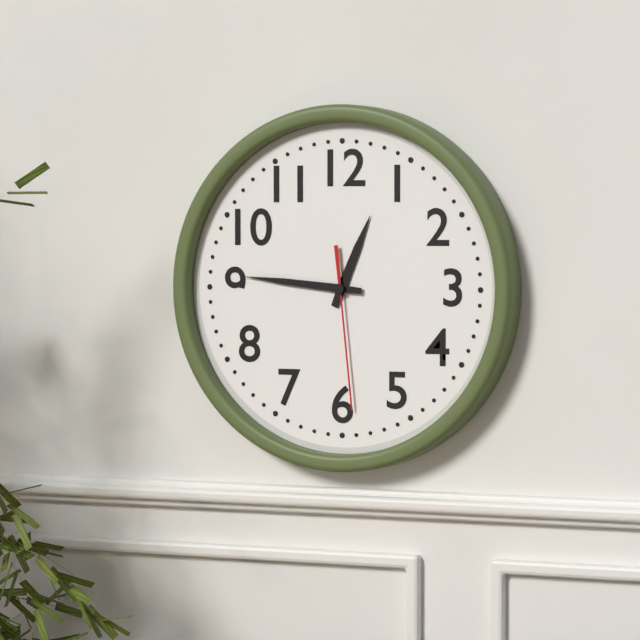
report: 12h46m29s
